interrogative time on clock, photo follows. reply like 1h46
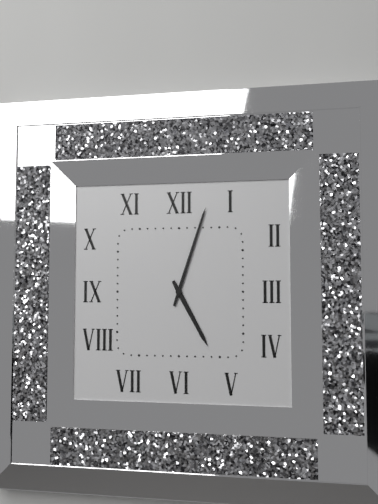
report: 5h03
